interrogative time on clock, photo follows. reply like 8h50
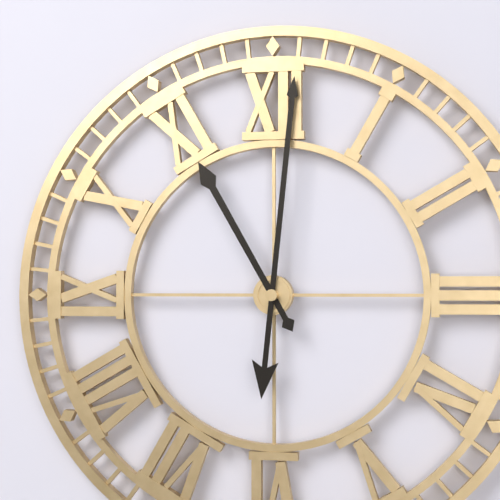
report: 11h01
